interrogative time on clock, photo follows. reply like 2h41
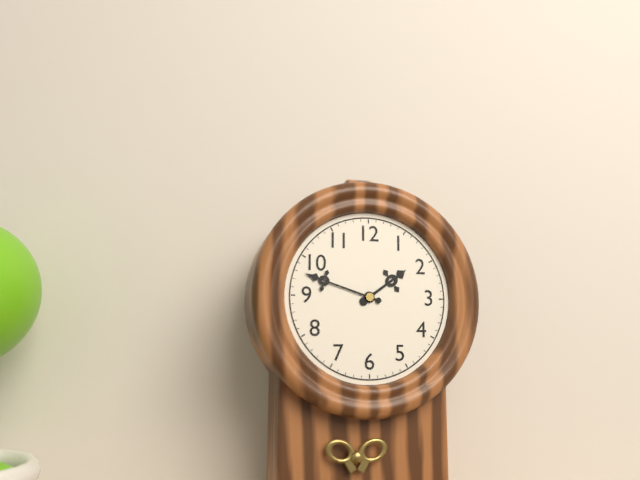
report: 1h48
